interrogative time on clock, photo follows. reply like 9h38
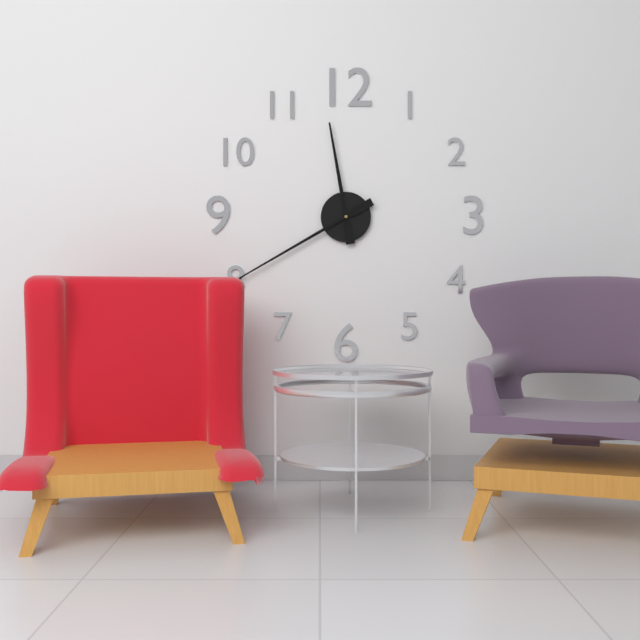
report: 11h40
